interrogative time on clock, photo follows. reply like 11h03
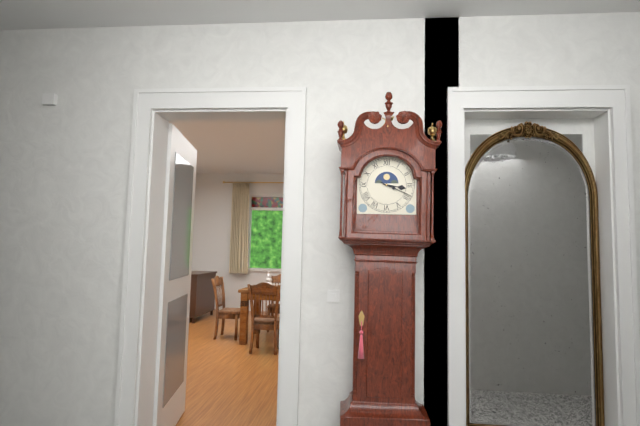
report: 3h19
